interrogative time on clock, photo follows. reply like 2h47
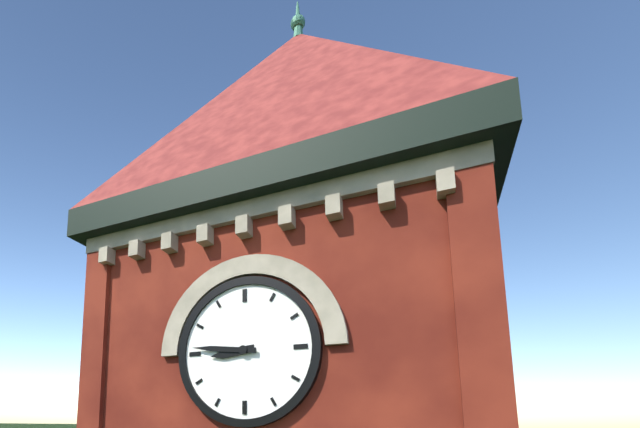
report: 8h46
